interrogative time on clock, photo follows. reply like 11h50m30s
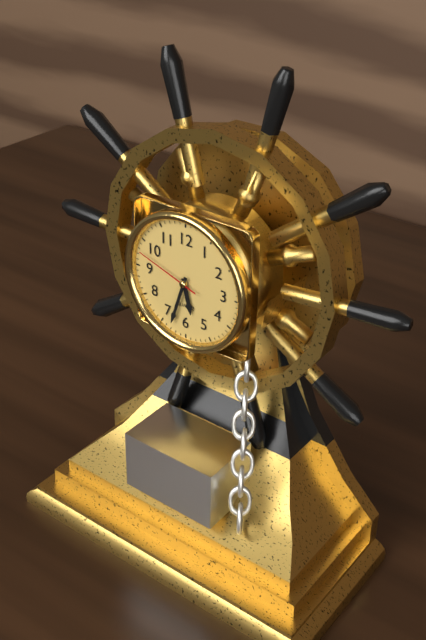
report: 5h33m48s
